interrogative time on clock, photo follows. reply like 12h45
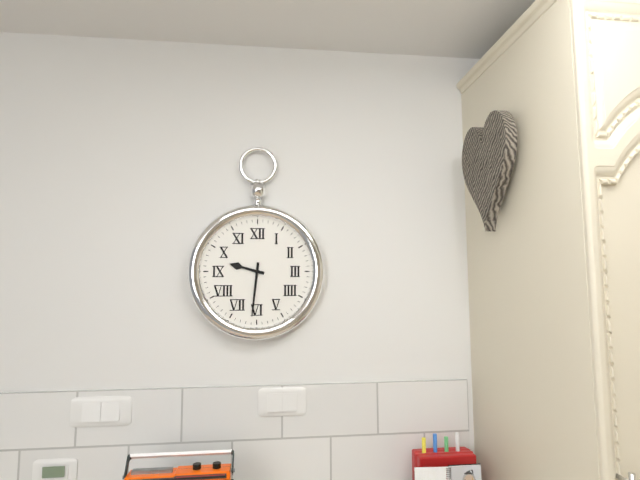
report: 9h31
